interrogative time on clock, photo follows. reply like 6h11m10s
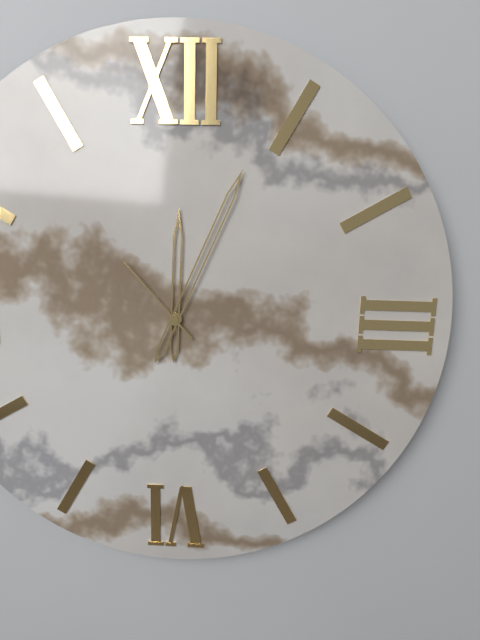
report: 12h04m53s
